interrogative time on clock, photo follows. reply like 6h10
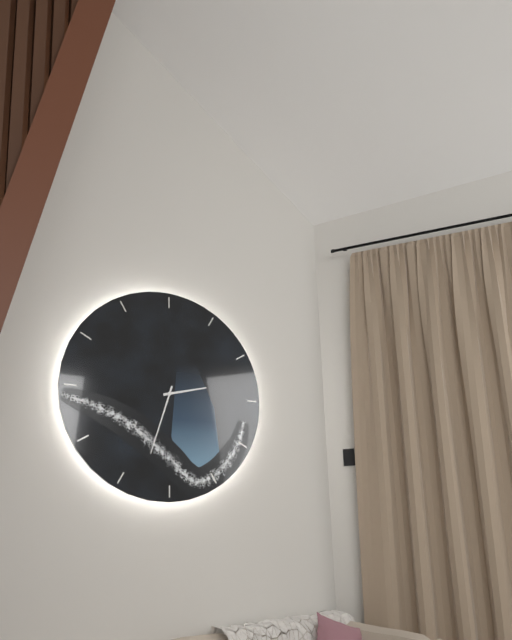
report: 2h33
